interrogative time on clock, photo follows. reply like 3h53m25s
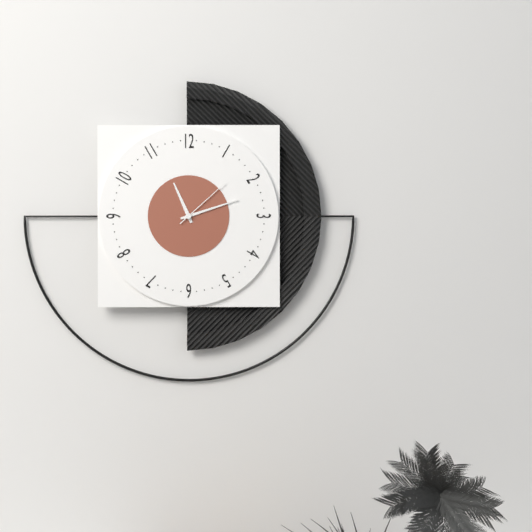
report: 11h12m08s
